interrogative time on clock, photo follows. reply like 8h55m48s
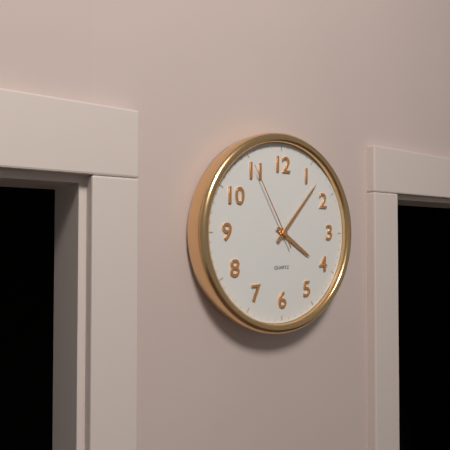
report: 4h07m55s
